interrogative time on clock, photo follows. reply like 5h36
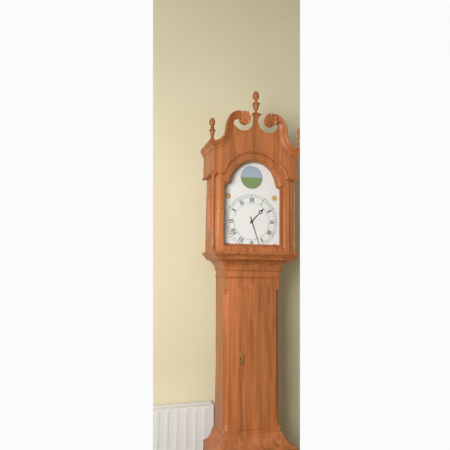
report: 1h27
